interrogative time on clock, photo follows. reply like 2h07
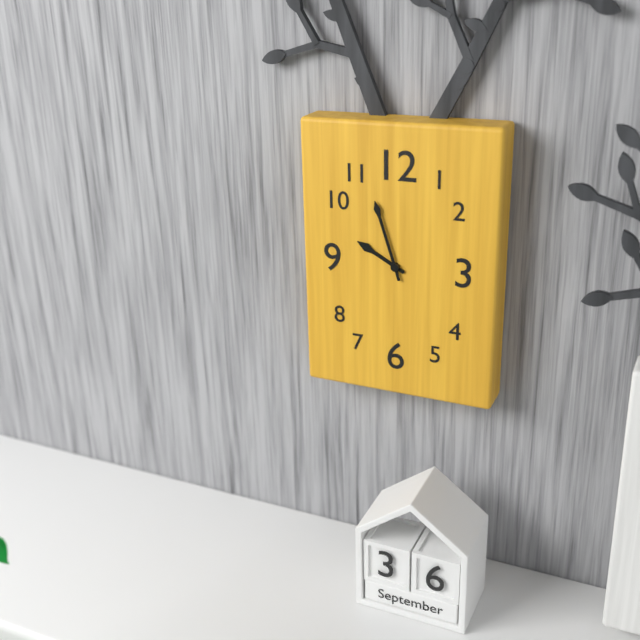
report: 9h57
